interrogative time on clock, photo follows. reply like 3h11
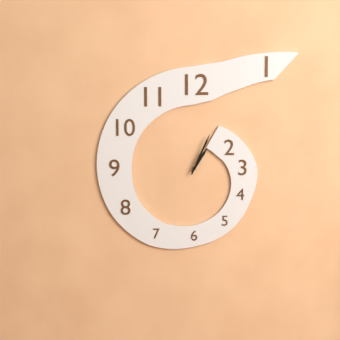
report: 1h04
